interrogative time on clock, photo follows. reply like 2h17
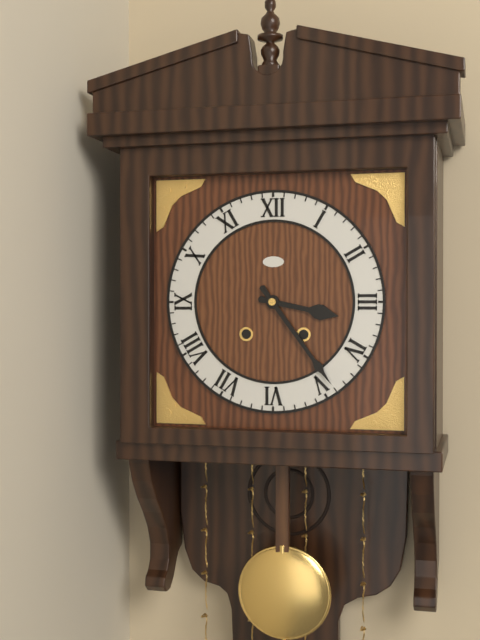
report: 3h24
